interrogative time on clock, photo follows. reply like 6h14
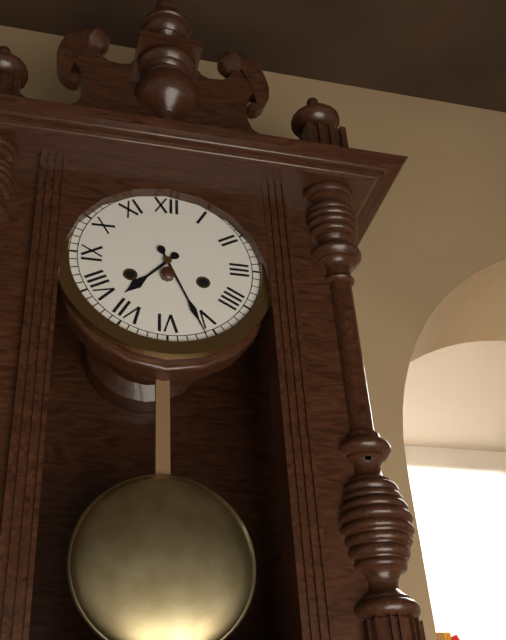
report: 7h26
